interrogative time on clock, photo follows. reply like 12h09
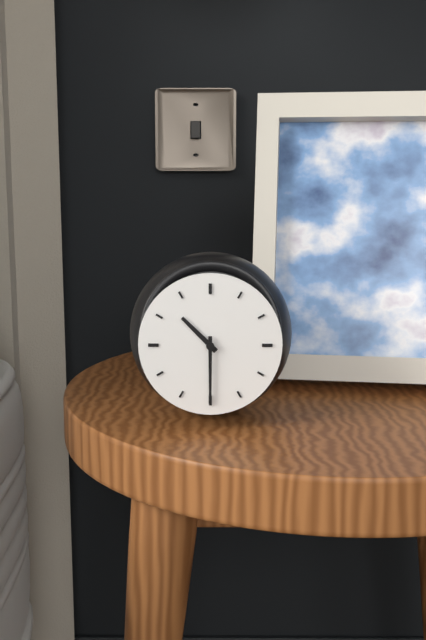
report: 10h30
